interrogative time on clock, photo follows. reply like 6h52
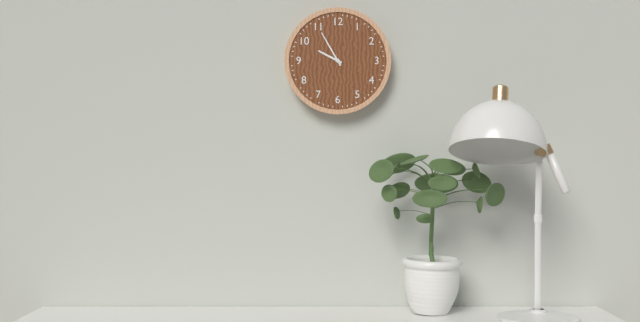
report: 9h55
